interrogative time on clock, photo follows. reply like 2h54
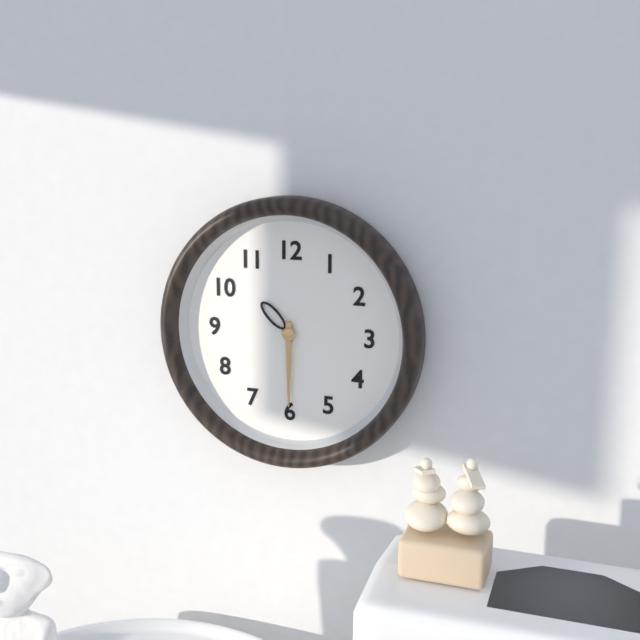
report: 10h30
